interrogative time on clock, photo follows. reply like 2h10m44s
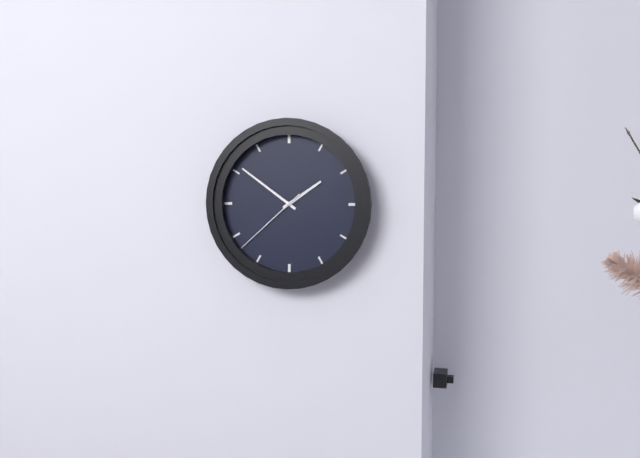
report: 1h51m38s
